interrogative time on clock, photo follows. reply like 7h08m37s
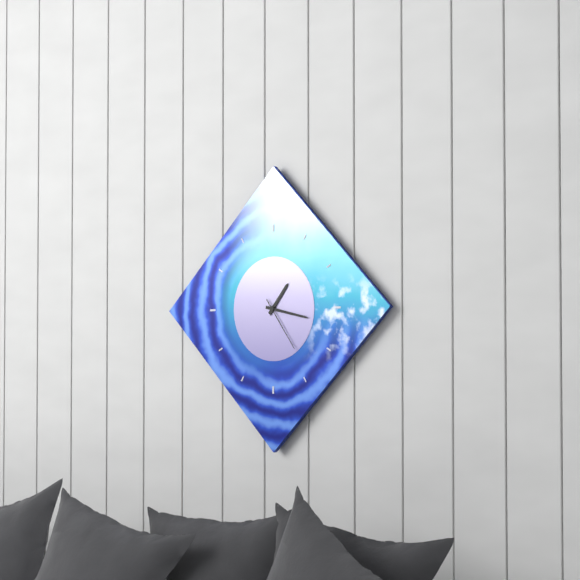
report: 1h17m24s
